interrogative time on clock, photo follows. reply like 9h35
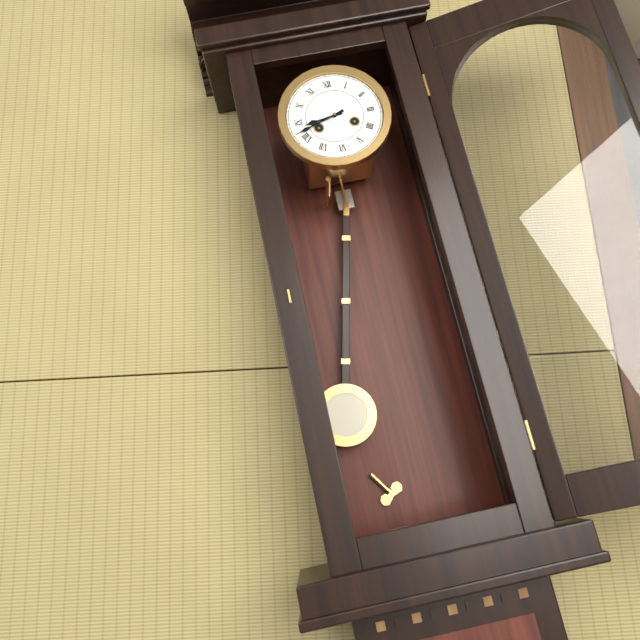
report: 8h42
